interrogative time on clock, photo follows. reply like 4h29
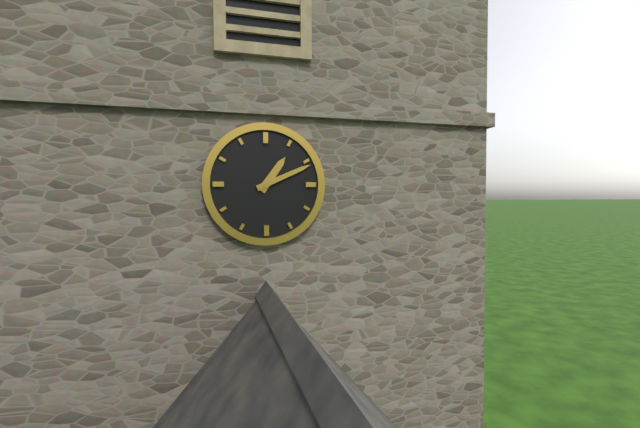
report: 1h11
